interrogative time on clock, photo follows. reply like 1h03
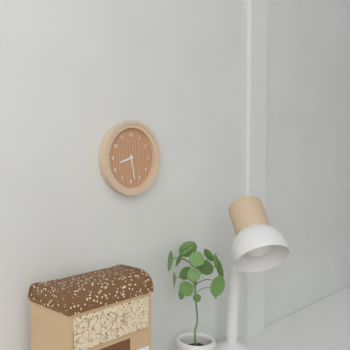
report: 8h28
